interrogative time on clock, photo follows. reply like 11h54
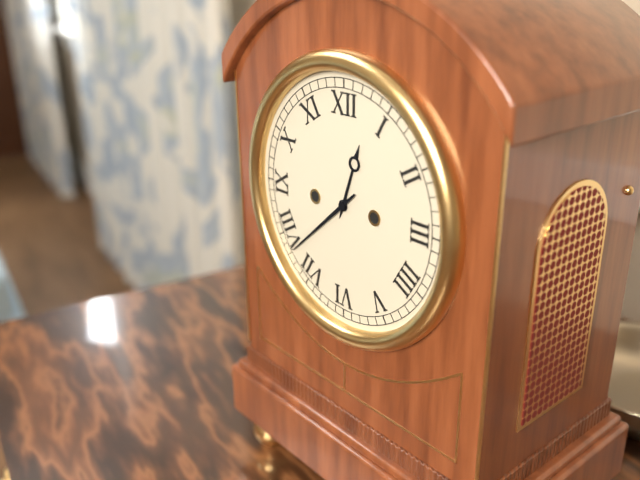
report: 12h38
